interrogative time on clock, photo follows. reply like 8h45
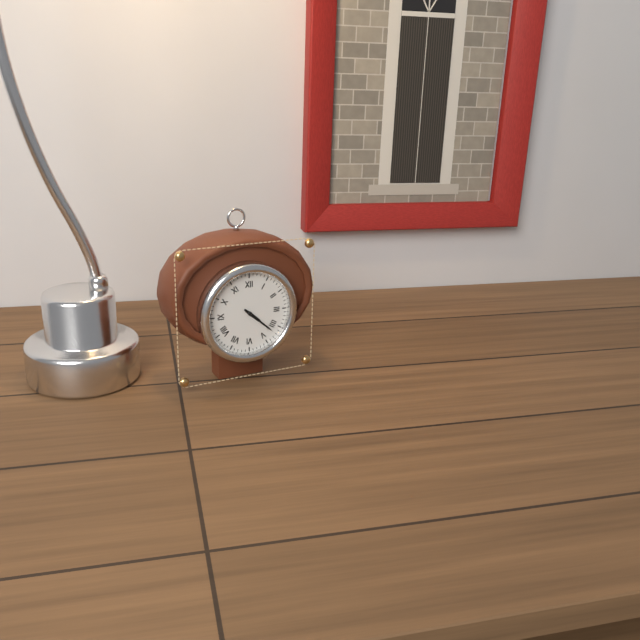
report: 4h22
